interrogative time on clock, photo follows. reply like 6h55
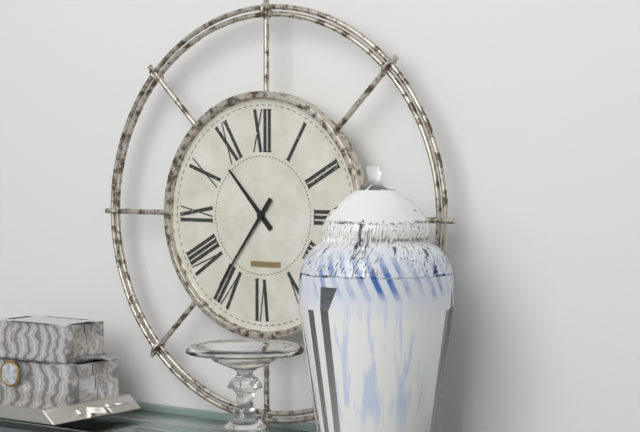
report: 10h36
